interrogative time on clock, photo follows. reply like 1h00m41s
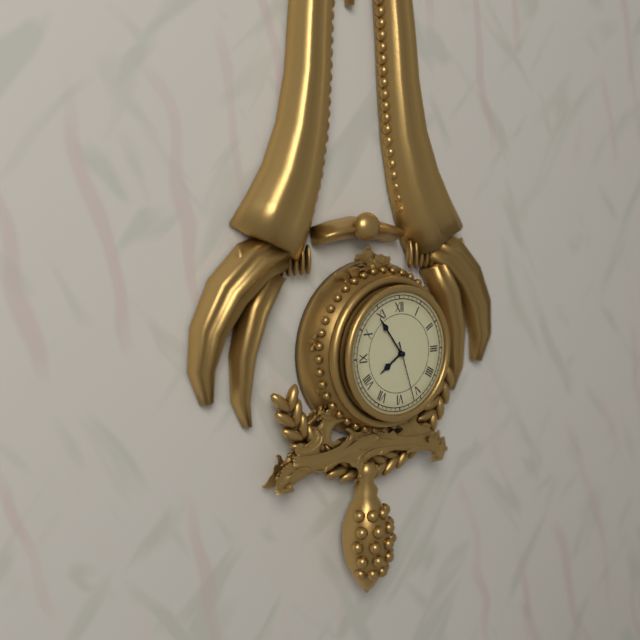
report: 7h54m27s
